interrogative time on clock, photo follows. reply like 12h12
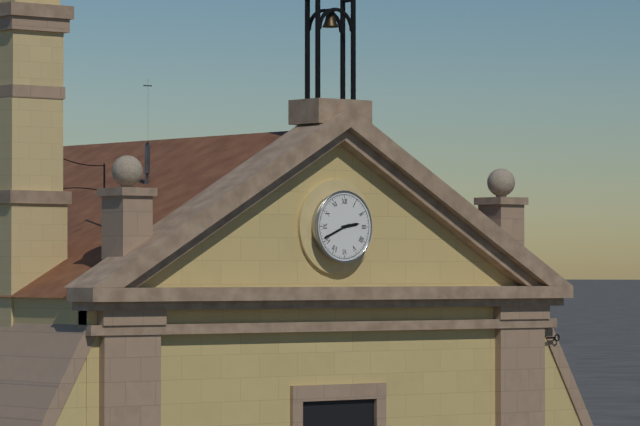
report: 2h41
